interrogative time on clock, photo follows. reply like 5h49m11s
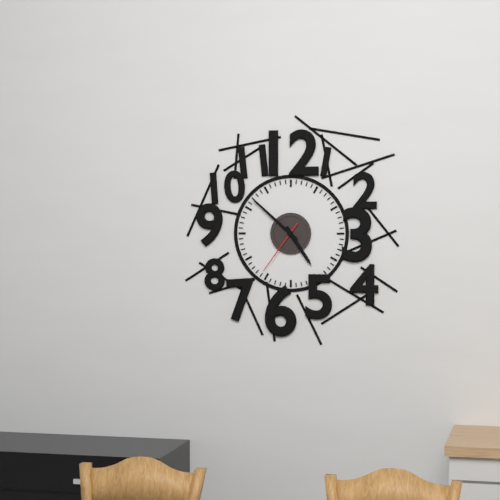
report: 4h52m36s
